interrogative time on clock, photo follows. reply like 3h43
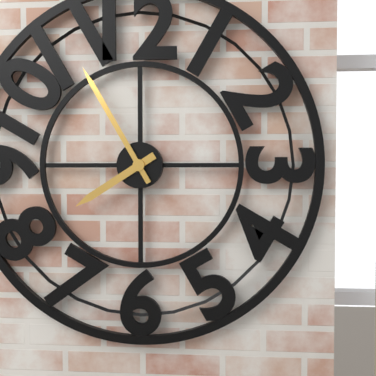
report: 7h55
